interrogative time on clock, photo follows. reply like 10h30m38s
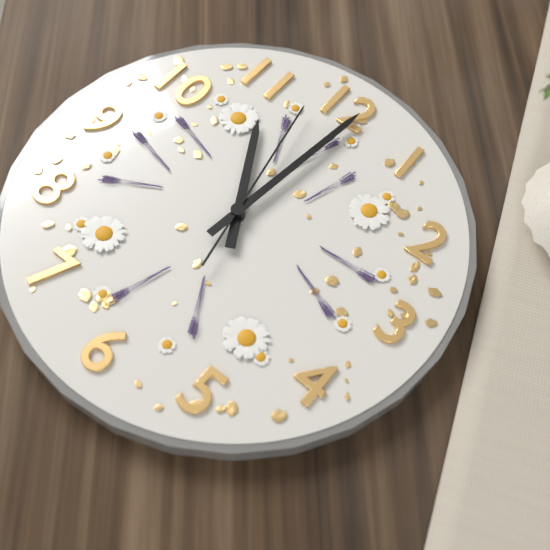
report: 11h01m58s
